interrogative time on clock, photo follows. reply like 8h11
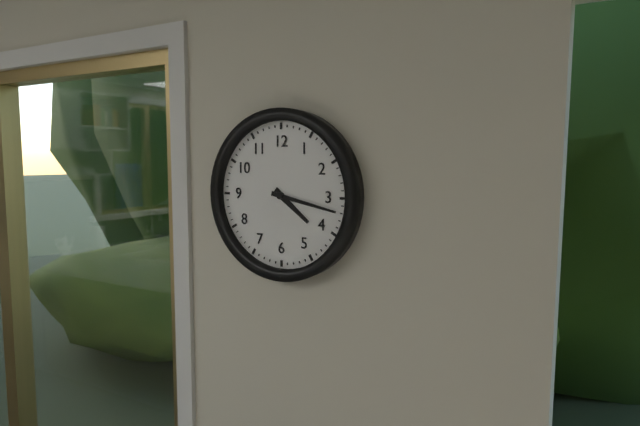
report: 4h17
